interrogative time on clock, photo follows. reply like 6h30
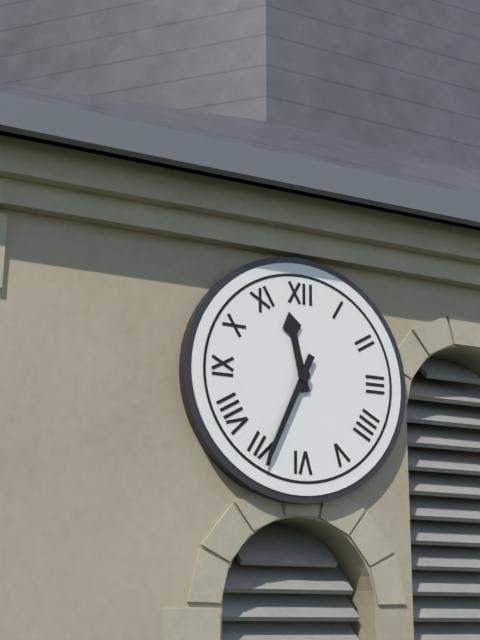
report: 11h34
